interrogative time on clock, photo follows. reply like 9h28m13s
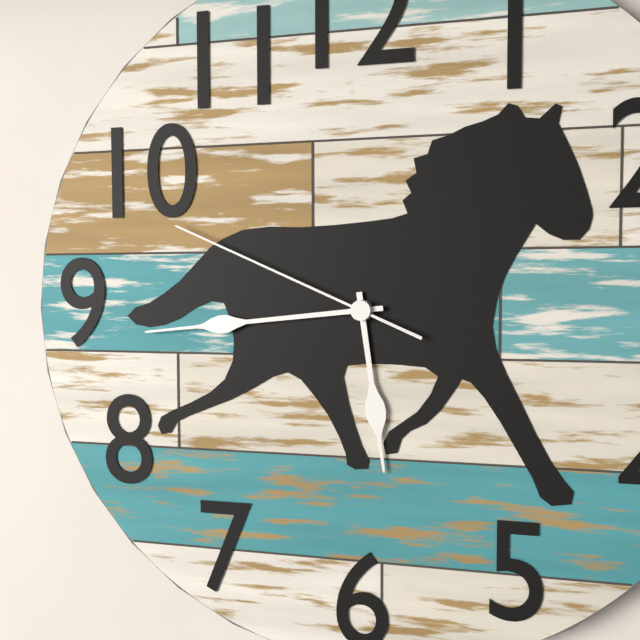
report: 5h44m49s
